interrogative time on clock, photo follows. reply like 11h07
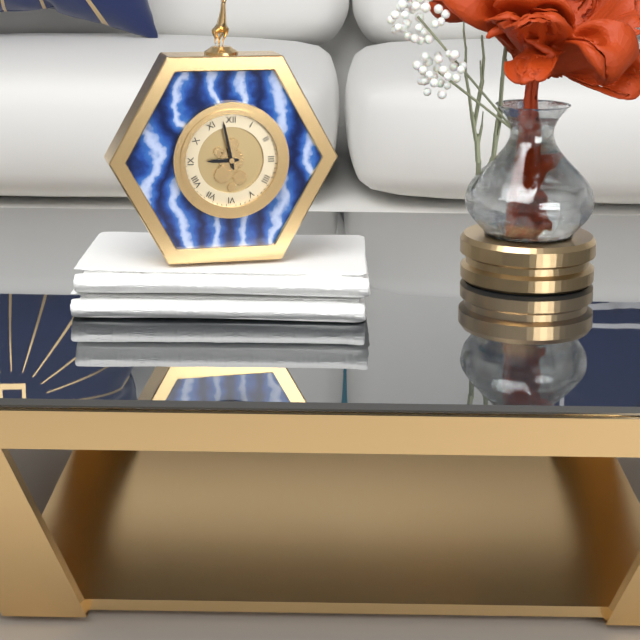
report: 8h58
